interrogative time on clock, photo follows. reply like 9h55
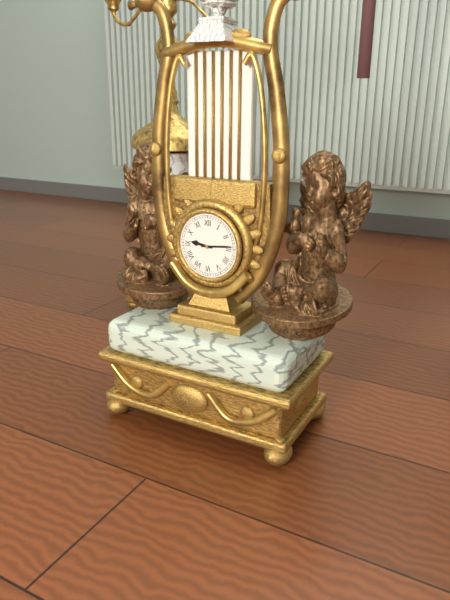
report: 9h14
